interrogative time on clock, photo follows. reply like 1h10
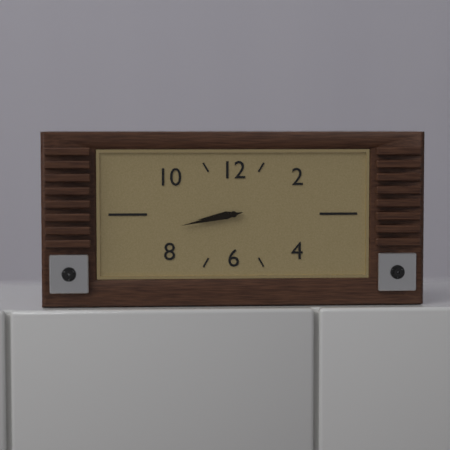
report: 8h43
